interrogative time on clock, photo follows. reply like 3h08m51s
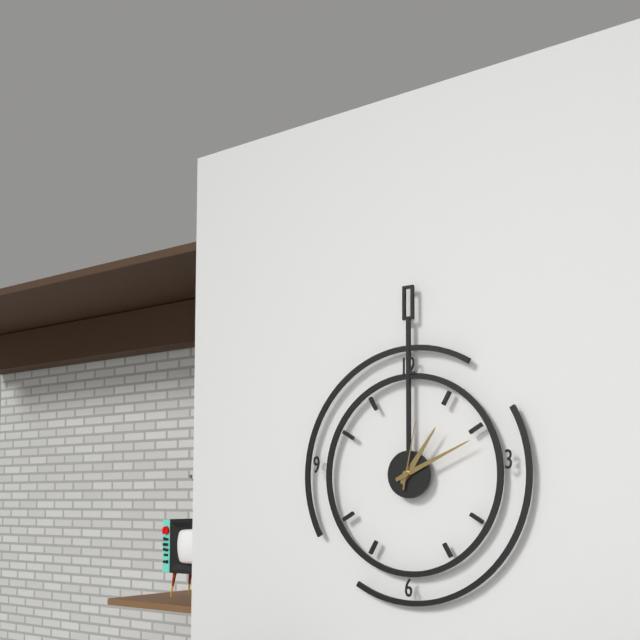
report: 1h11m02s
